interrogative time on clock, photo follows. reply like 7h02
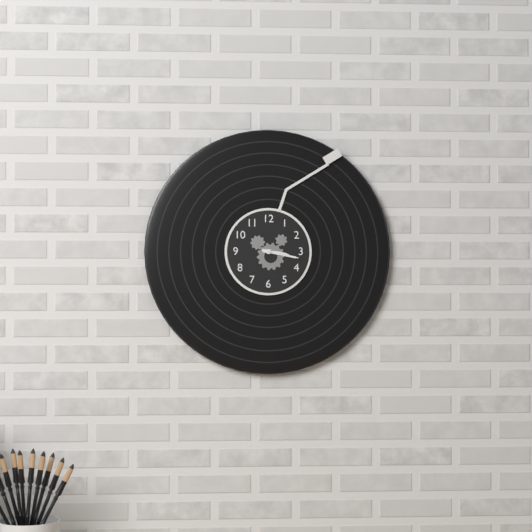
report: 3h17
